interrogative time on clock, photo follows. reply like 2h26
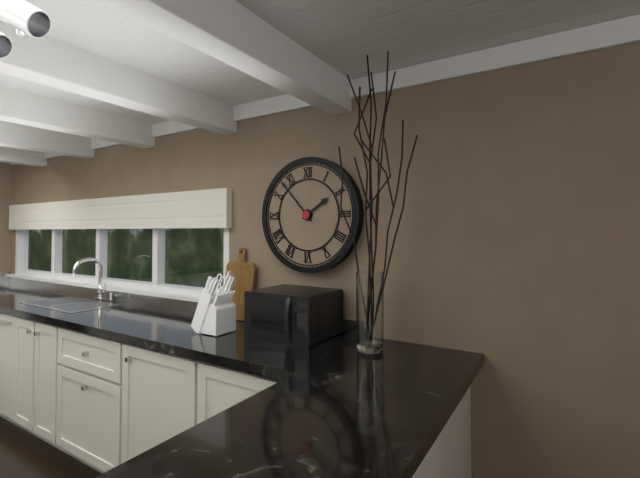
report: 1h53
